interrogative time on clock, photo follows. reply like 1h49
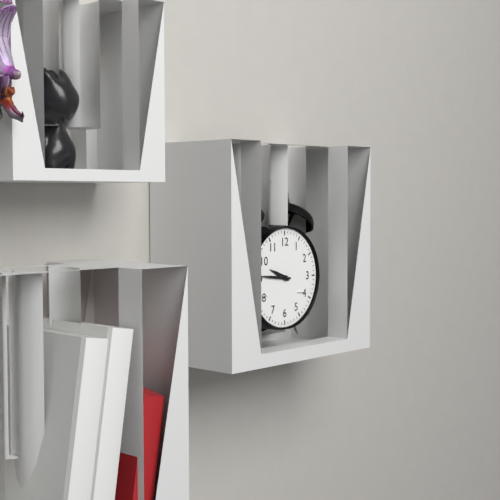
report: 9h46
